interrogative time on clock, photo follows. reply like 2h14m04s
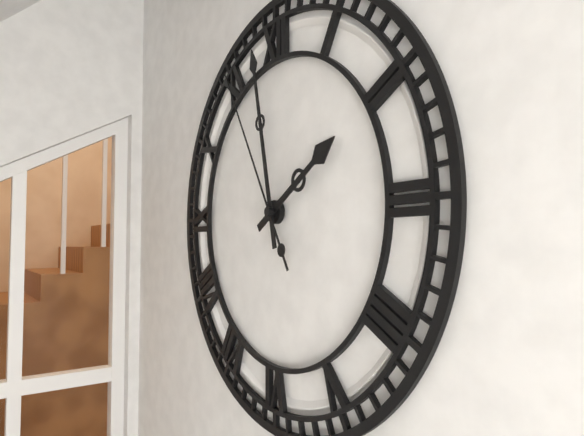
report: 1h58m55s
